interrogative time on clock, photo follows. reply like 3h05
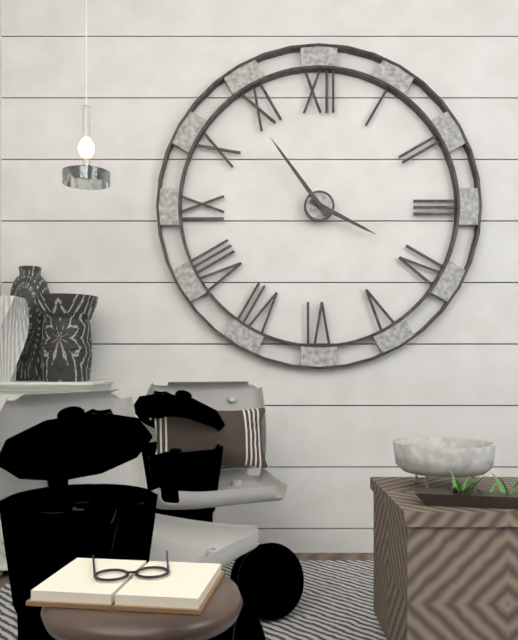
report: 3h54
